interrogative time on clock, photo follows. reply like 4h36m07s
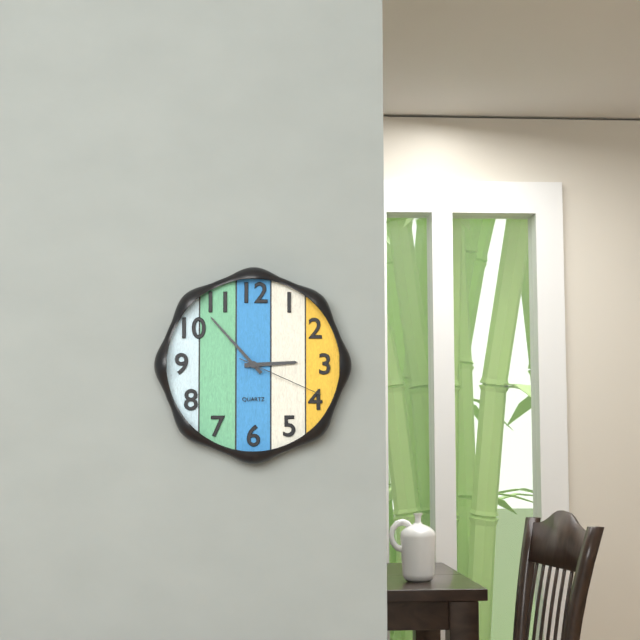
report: 2h53m19s
